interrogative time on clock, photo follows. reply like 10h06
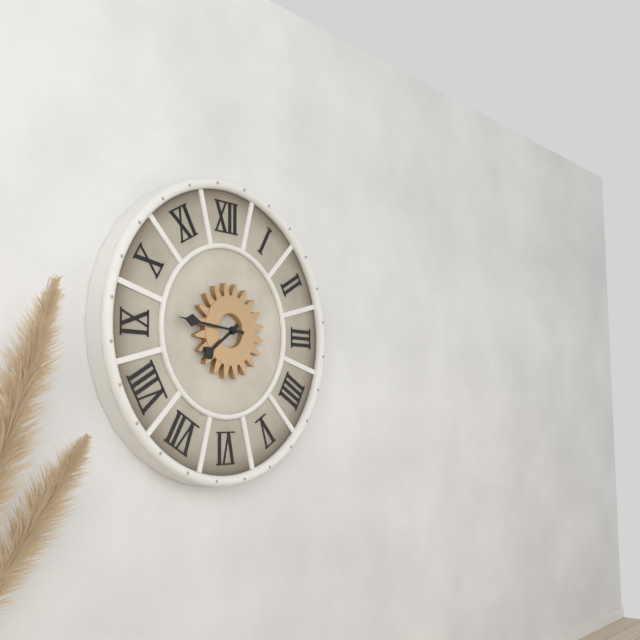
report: 7h46
